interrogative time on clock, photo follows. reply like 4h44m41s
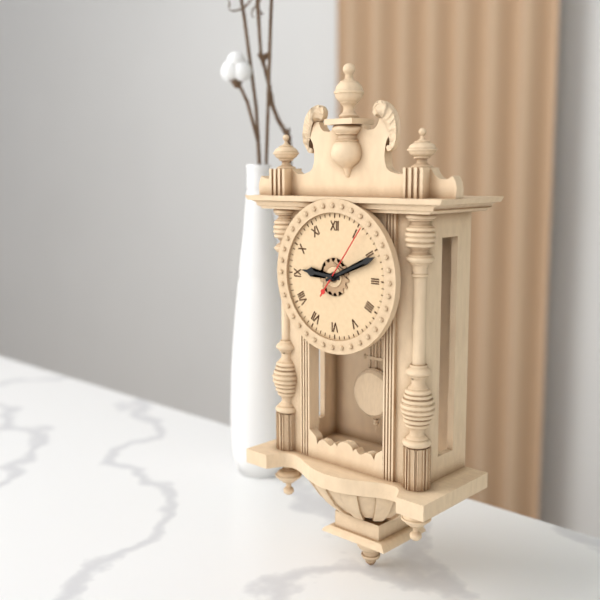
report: 9h11m06s
